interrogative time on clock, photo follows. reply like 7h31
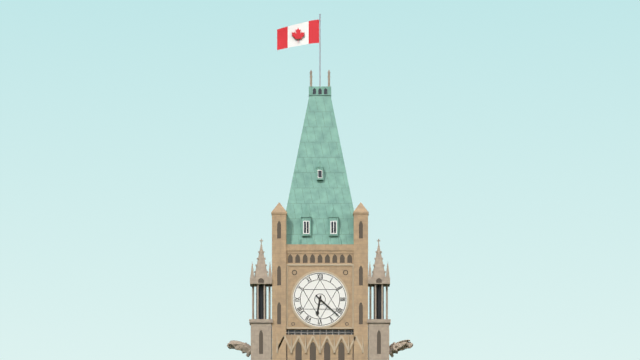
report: 6h22
